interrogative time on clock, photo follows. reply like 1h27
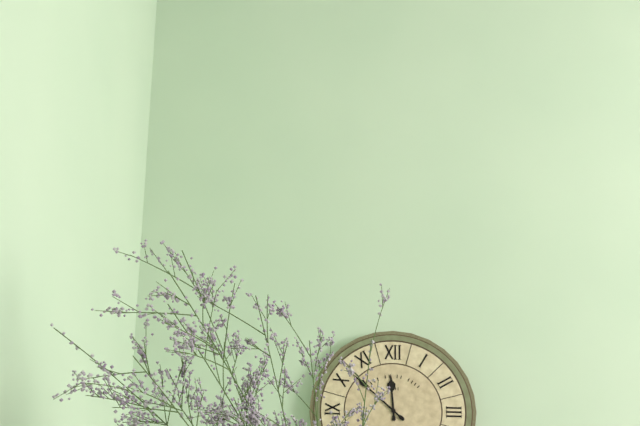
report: 11h52
